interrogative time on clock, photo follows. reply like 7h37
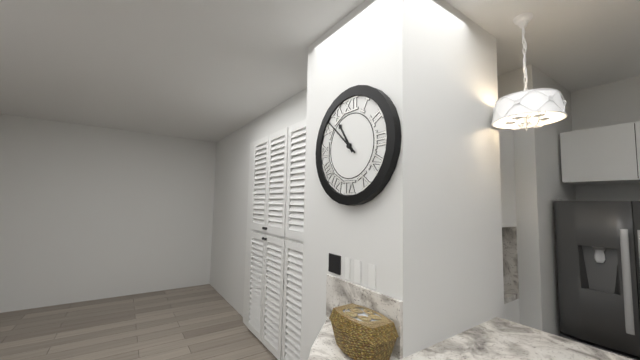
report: 10h52
